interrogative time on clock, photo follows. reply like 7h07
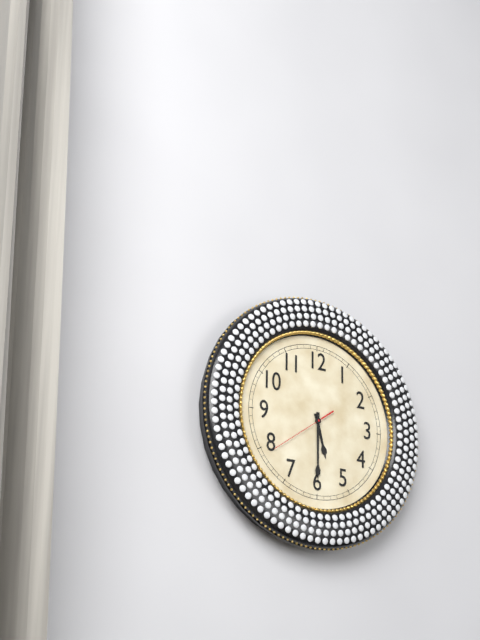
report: 5h30
